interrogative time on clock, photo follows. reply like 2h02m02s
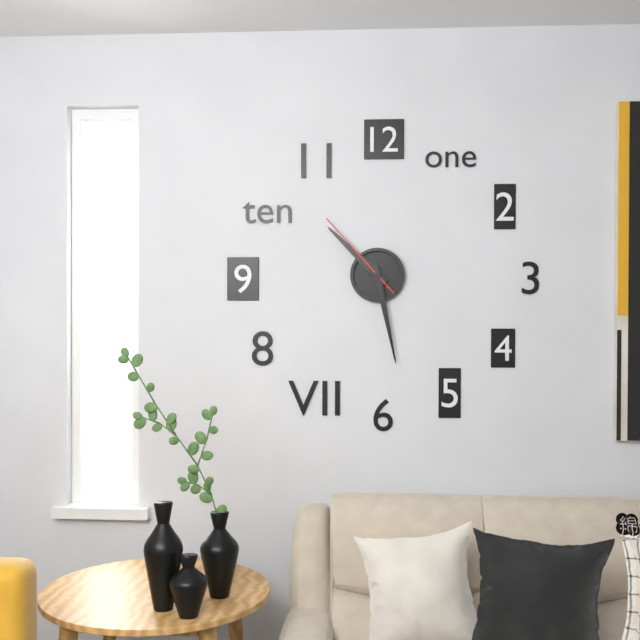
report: 10h28m53s
